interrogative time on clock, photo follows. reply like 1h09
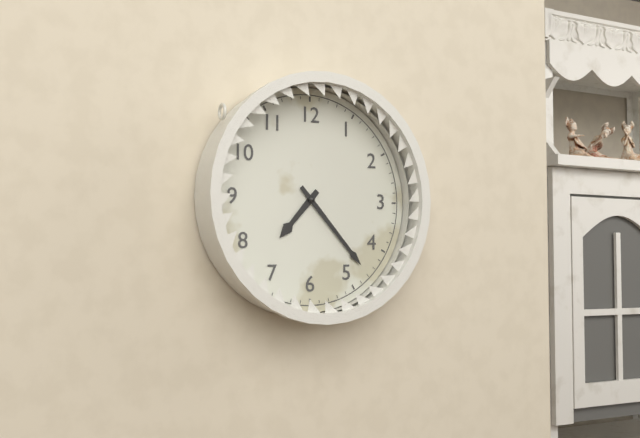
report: 7h23
